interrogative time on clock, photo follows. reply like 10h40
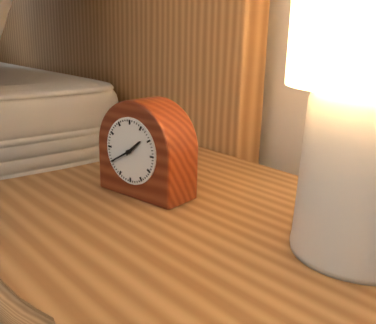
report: 1h40
